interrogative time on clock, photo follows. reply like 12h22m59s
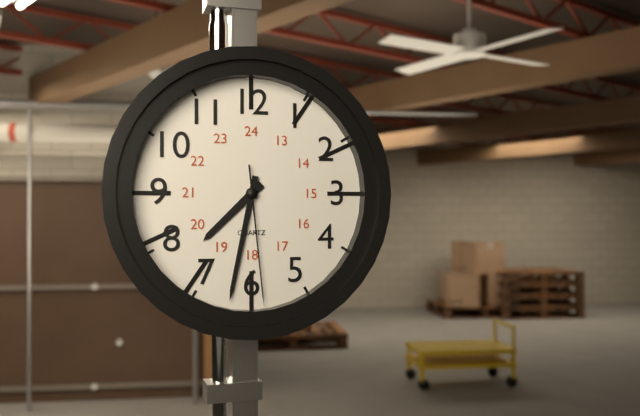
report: 7h32m29s
